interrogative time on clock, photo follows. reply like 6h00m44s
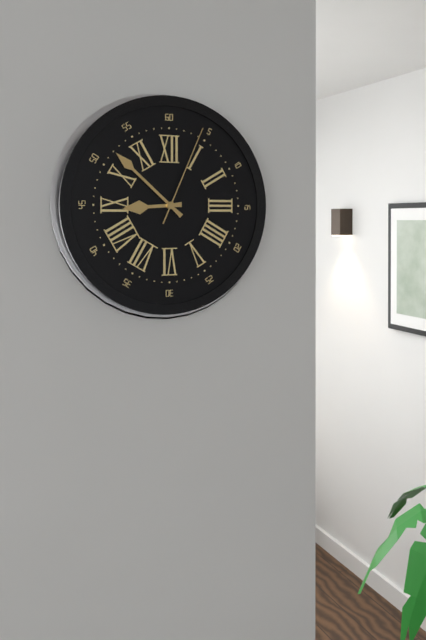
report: 8h52m04s
